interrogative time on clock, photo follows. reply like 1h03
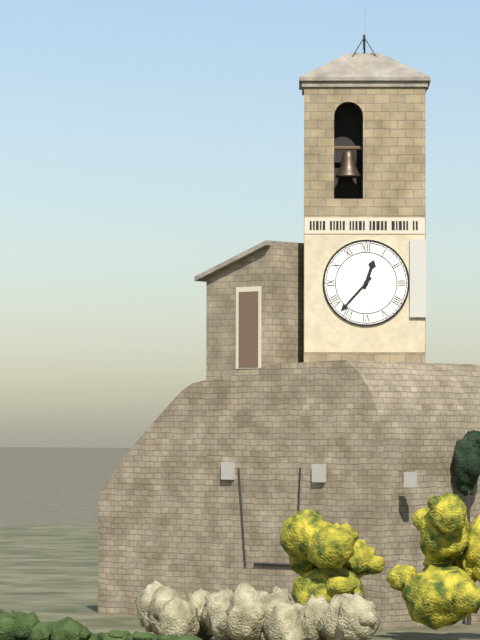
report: 12h37
